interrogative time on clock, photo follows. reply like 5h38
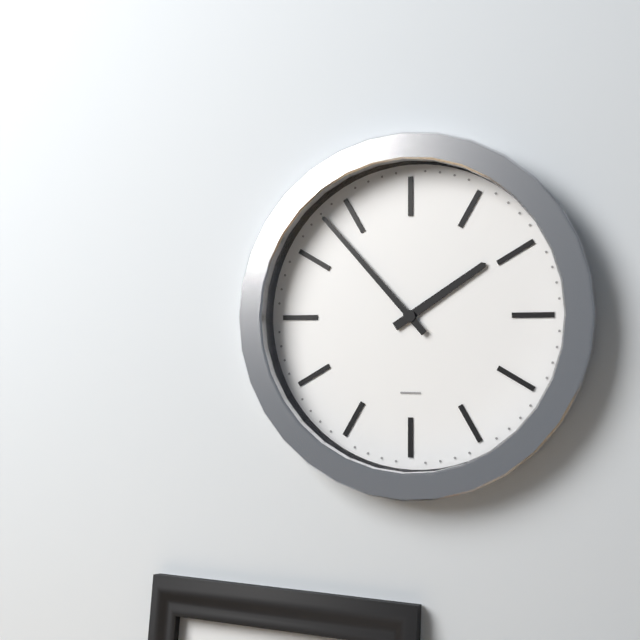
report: 1h53
